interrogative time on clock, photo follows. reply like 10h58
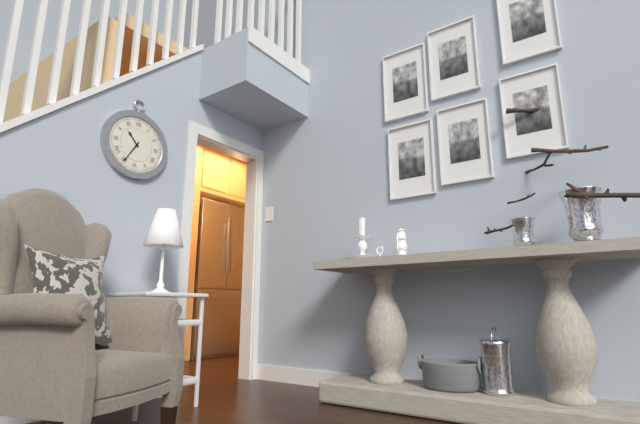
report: 10h35
